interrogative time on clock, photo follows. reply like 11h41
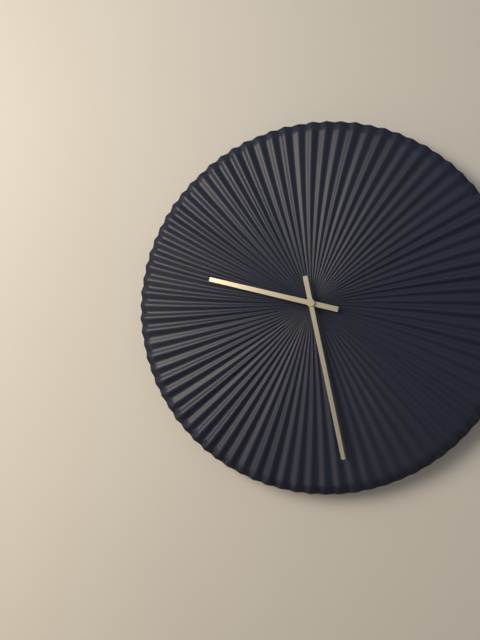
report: 9h28
